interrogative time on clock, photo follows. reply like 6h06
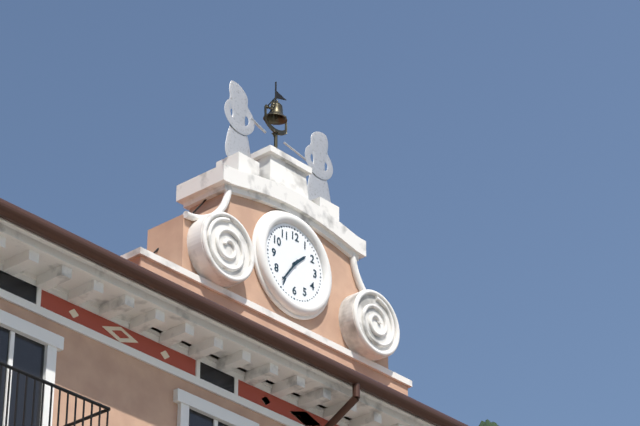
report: 1h36
